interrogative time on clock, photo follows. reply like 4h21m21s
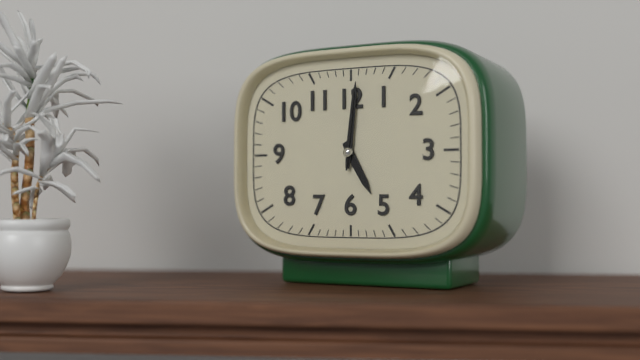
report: 5h01m01s
